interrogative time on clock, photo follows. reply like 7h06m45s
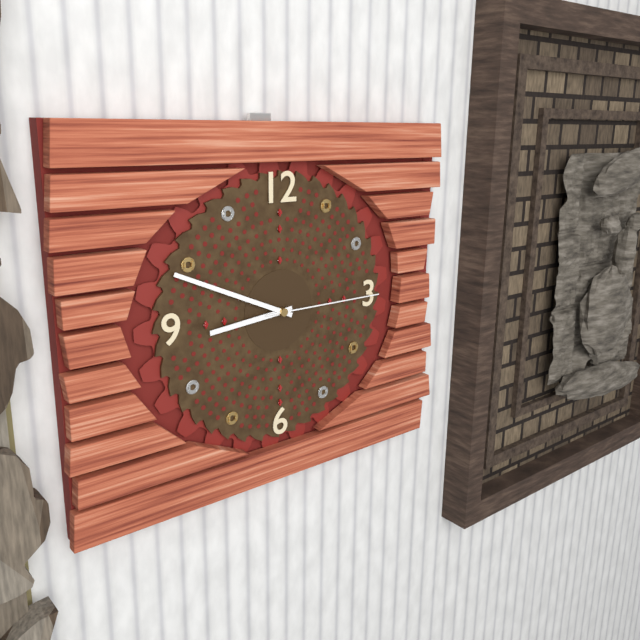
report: 8h49m15s
